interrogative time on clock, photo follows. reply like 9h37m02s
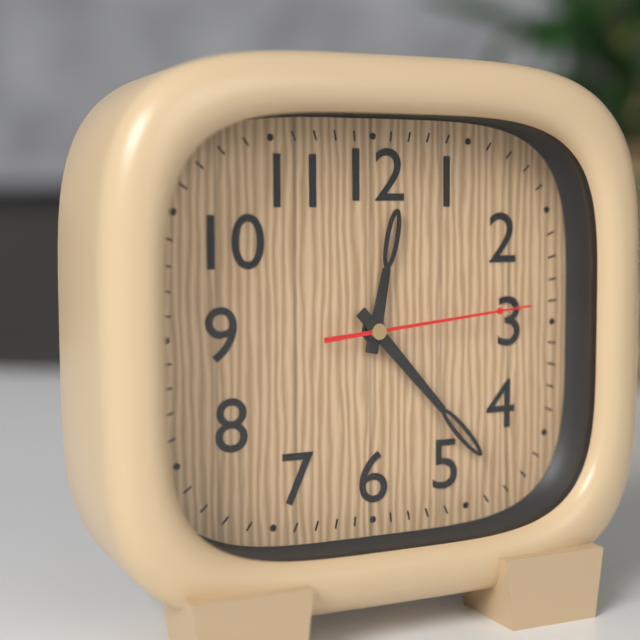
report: 12h23m14s
